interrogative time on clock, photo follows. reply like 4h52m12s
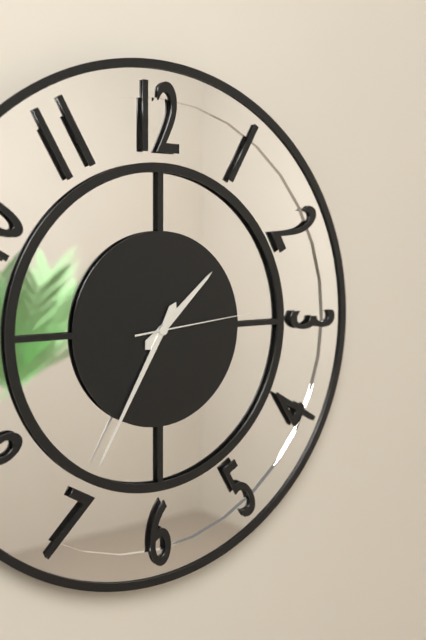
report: 1h35m14s
